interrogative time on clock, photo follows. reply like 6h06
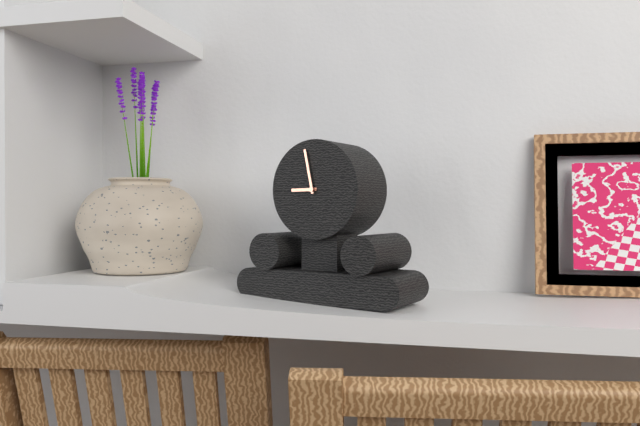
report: 8h58
